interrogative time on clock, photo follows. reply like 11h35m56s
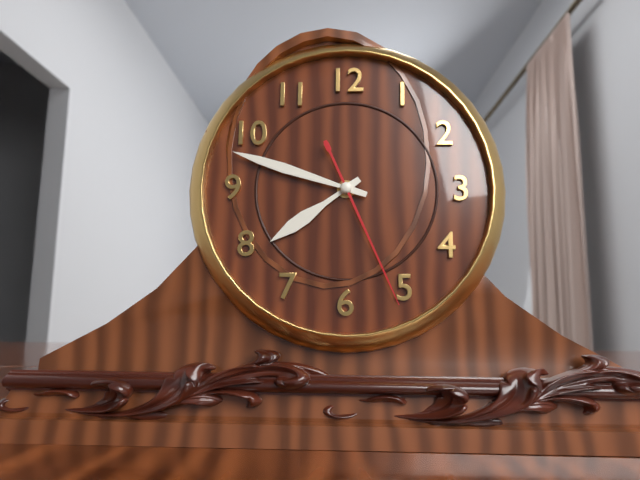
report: 7h48m26s
